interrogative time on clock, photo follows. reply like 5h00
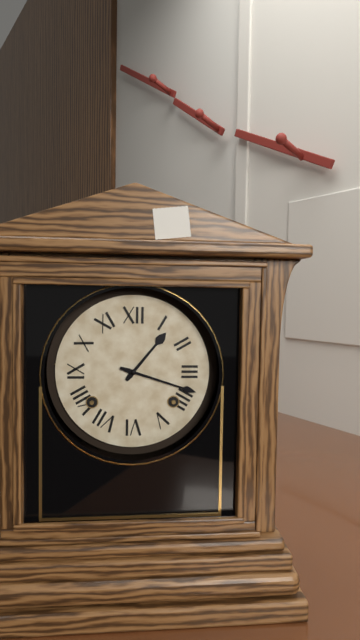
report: 1h18
